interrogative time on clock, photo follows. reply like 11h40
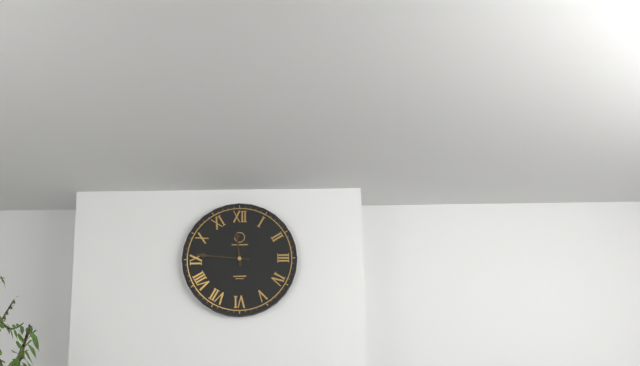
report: 11h46
